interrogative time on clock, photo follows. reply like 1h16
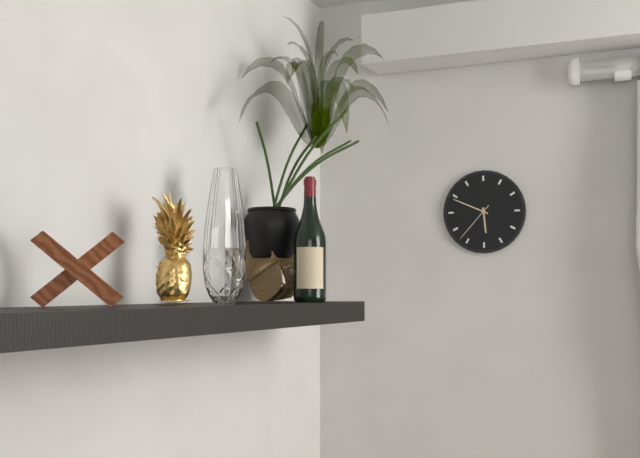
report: 5h49
